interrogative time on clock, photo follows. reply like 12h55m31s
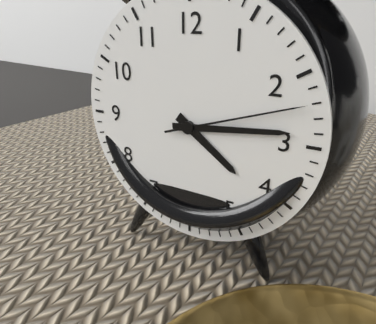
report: 4h14m12s
